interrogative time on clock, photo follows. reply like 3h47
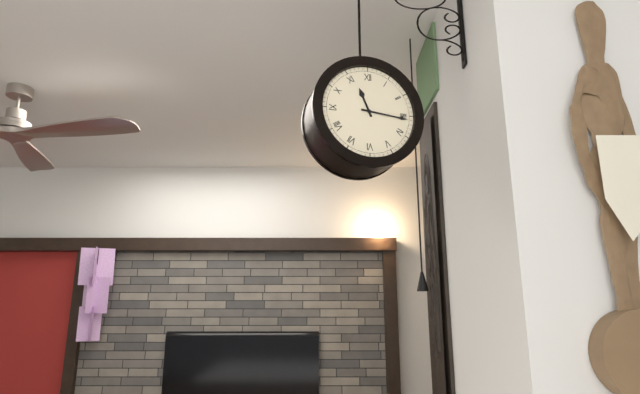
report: 11h16
